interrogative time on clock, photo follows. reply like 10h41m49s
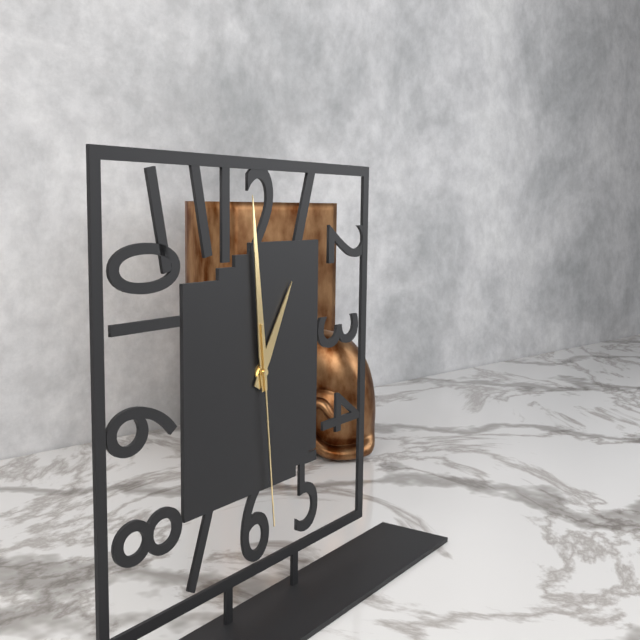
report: 12h59m29s
